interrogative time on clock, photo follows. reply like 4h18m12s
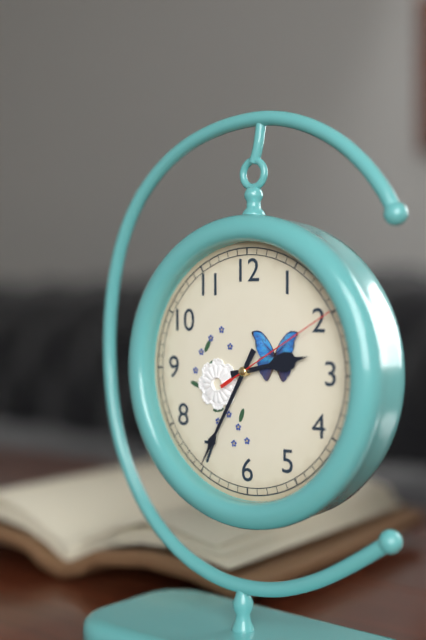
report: 2h35m10s
